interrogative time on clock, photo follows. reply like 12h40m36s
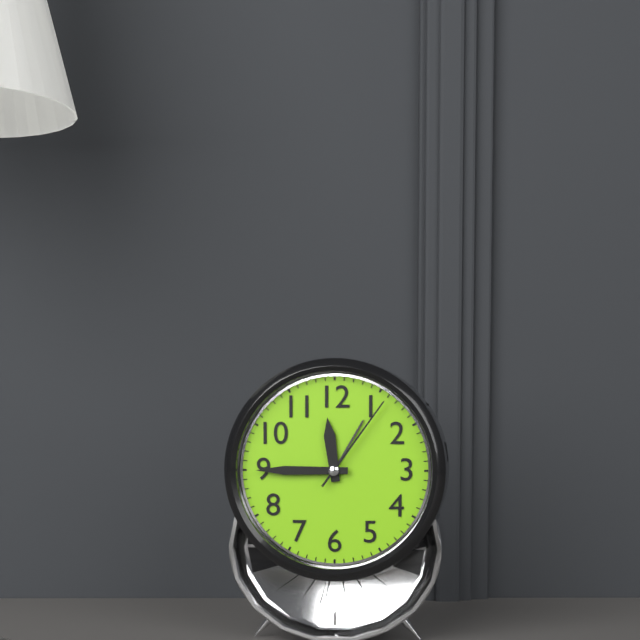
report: 11h45m06s
